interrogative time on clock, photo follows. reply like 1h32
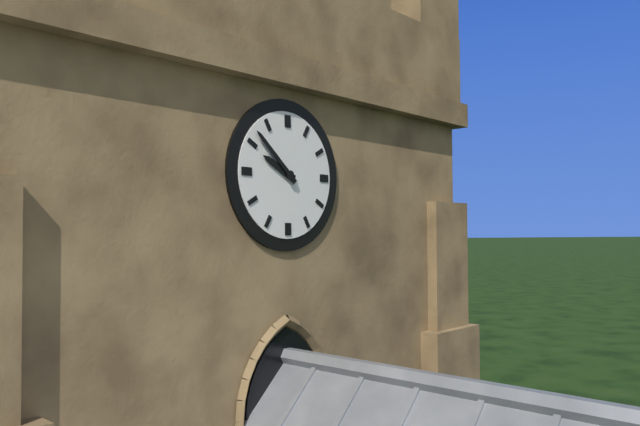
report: 9h52
